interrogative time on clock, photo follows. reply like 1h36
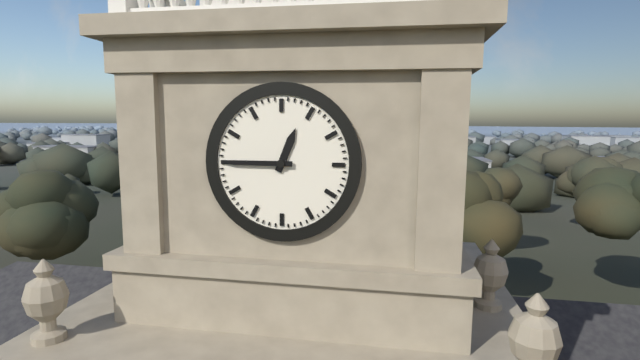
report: 12h45
